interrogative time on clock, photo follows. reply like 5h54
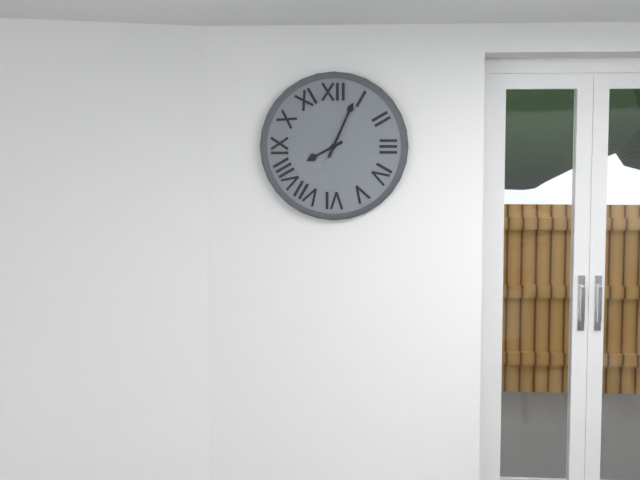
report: 8h04
